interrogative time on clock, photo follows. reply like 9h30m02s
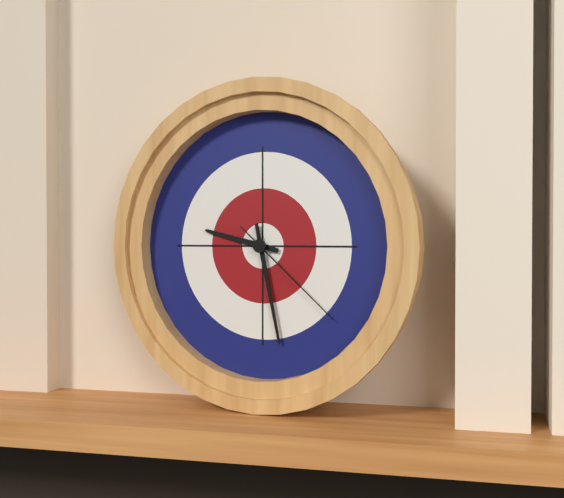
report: 9h28m22s
